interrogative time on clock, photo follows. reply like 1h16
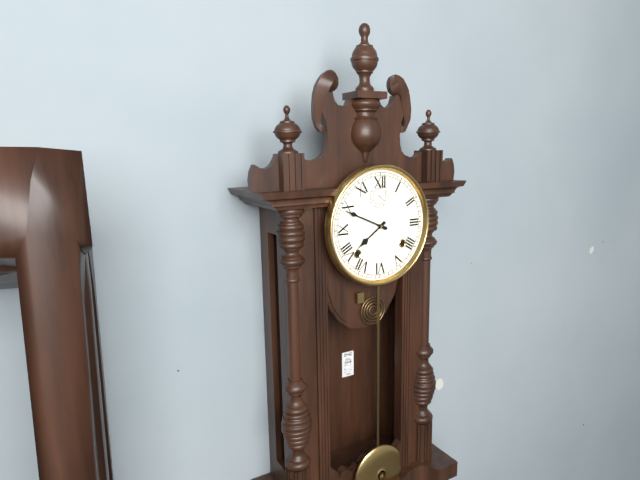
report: 7h49
